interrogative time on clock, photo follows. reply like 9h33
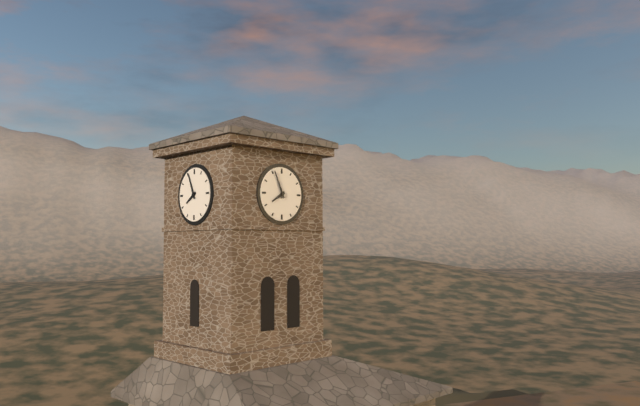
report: 7h56
